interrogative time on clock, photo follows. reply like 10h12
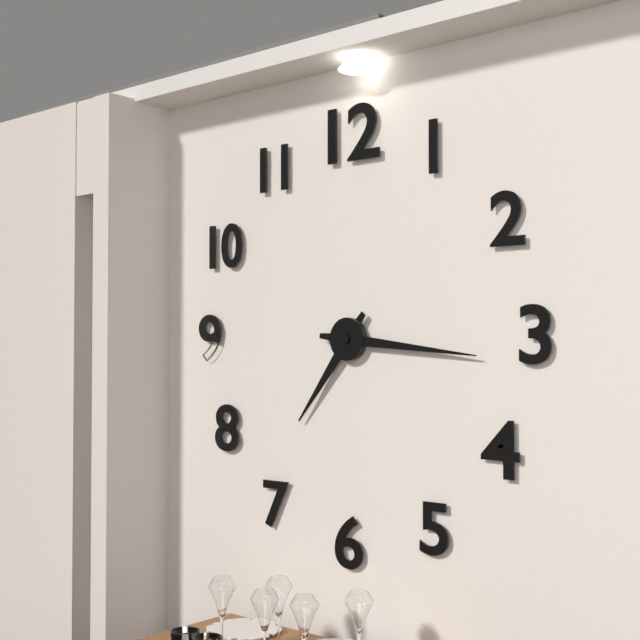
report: 7h16
